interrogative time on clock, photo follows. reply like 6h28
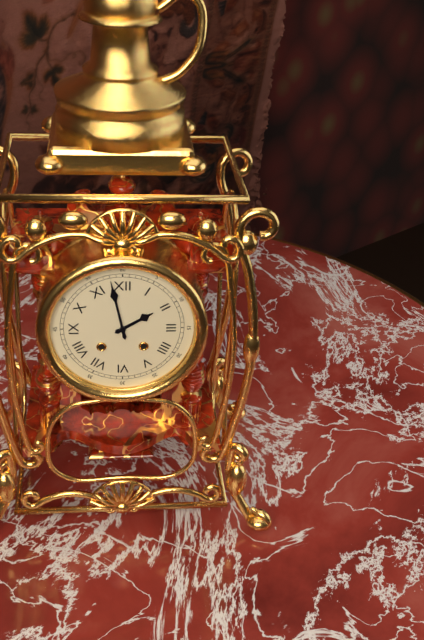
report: 1h58
